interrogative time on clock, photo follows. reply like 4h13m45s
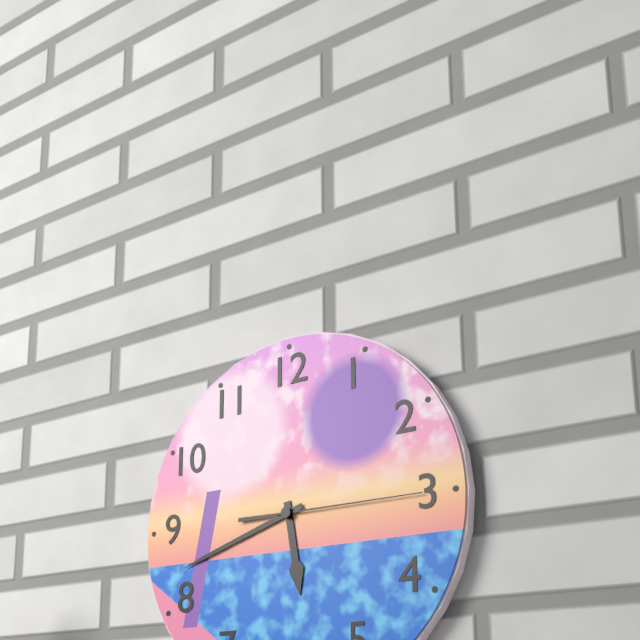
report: 5h42m15s
